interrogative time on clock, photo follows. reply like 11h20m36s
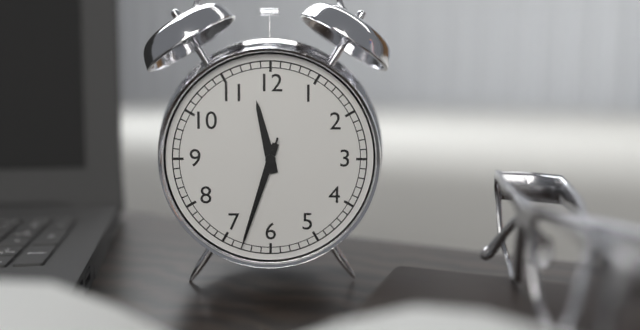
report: 11h33m33s
